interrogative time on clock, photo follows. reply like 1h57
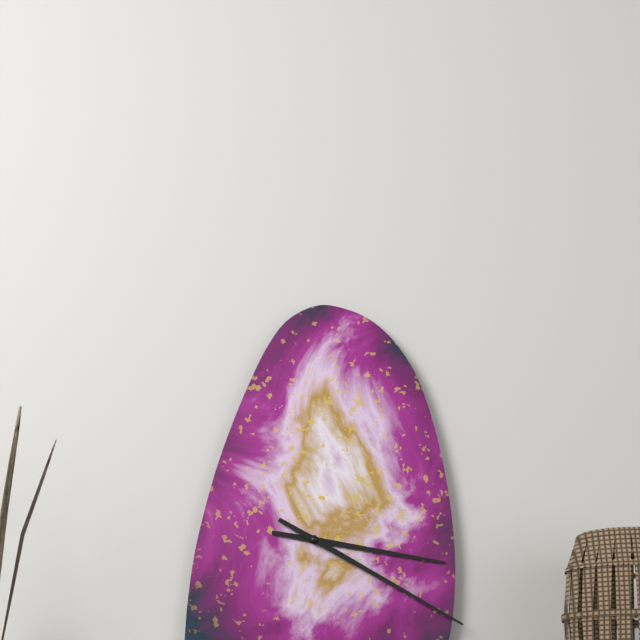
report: 3h20
